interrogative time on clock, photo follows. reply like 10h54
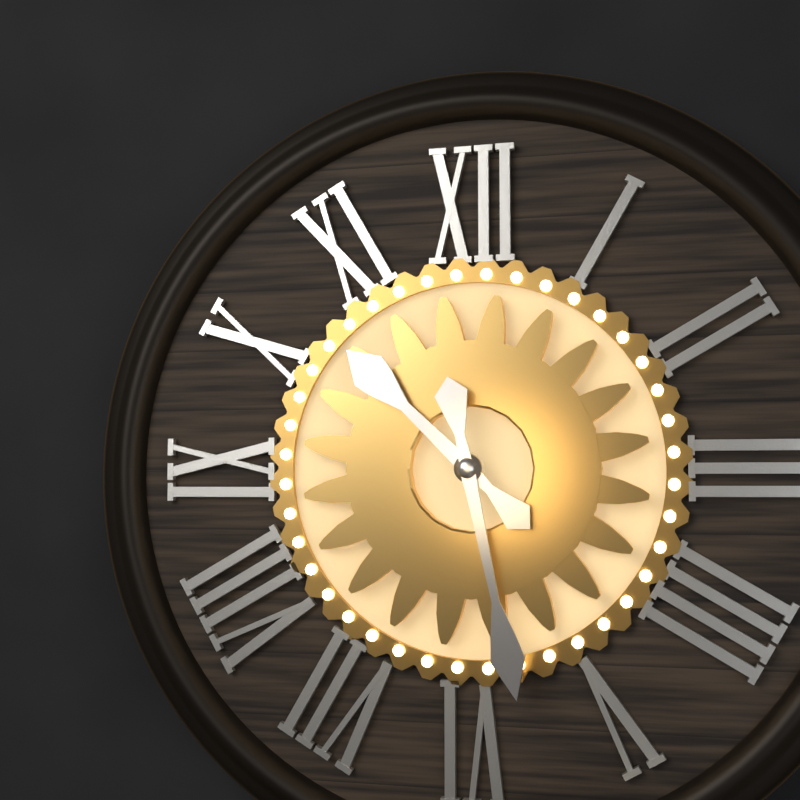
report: 10h28
